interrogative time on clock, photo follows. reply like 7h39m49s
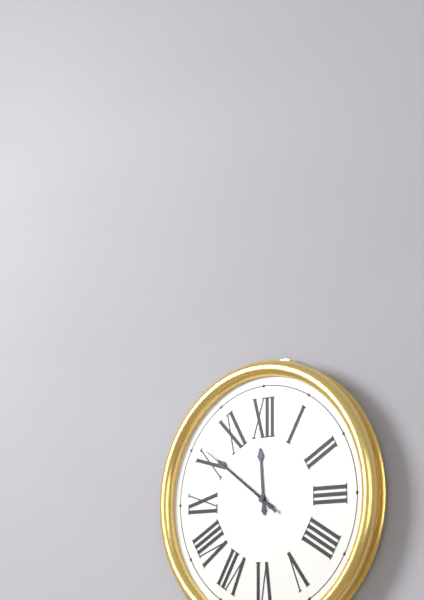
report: 11h51m51s
